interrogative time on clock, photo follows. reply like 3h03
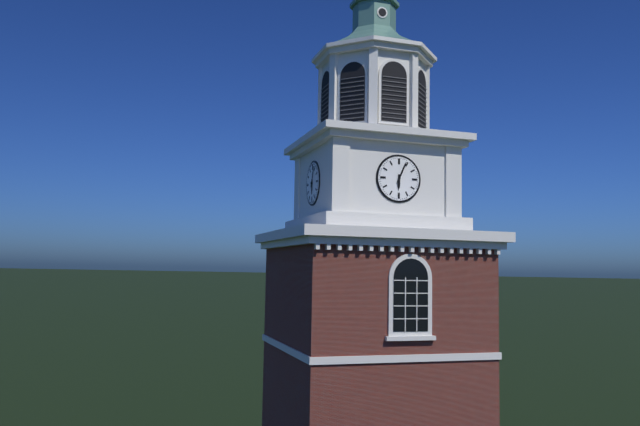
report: 6h04
